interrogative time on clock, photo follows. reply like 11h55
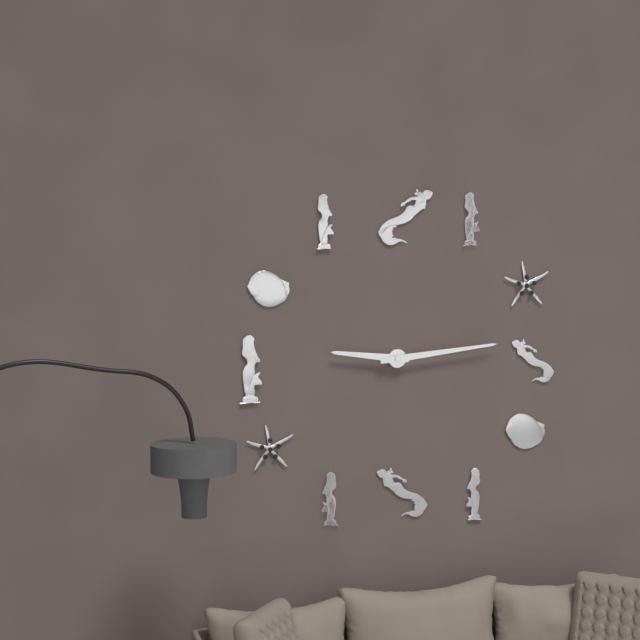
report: 9h14
